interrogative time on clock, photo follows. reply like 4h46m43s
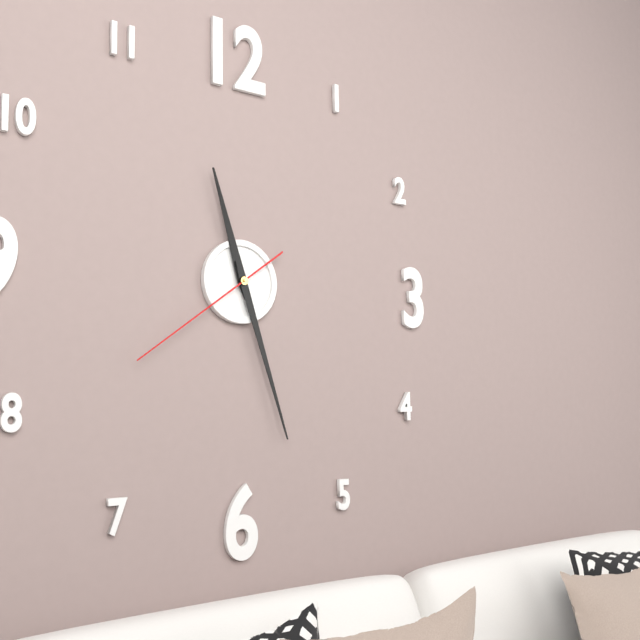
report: 11h27m39s
